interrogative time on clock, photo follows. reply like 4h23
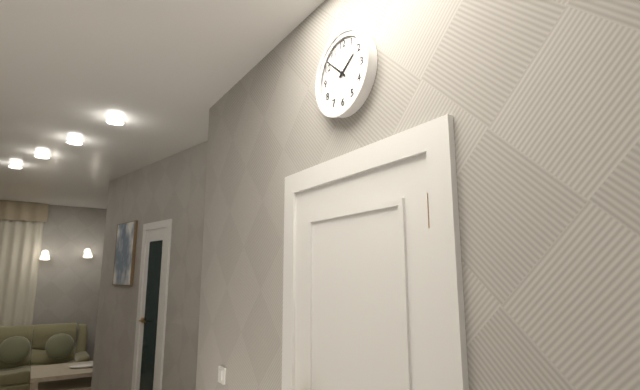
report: 1h52
